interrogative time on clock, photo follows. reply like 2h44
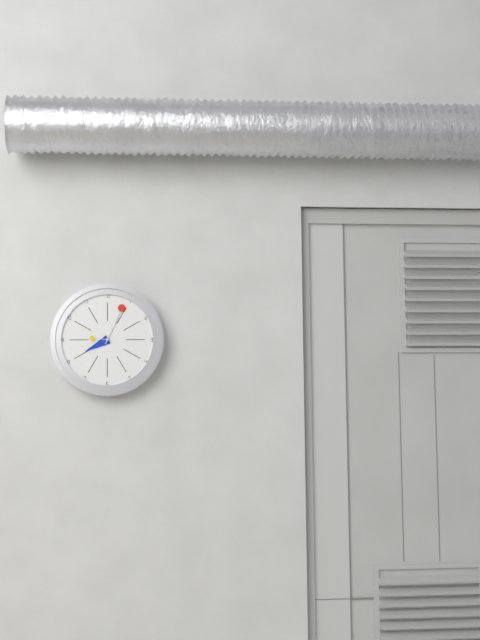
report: 8h04
